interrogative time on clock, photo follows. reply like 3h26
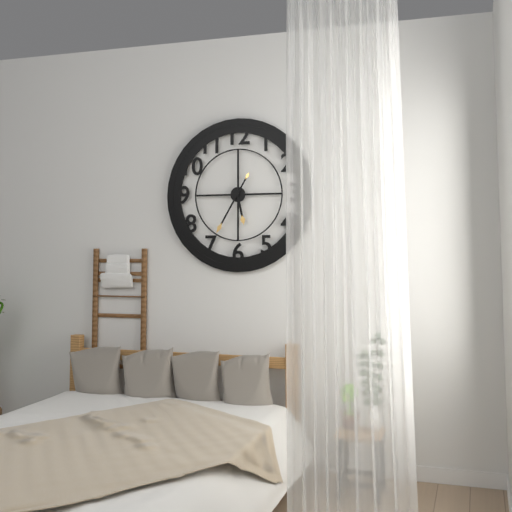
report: 5h35
